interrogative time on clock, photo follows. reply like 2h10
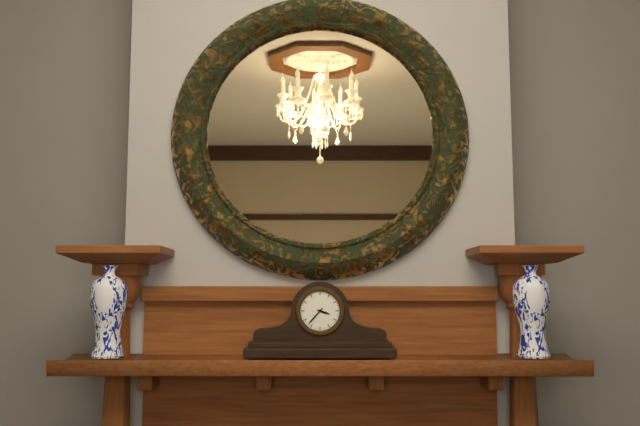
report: 3h37
